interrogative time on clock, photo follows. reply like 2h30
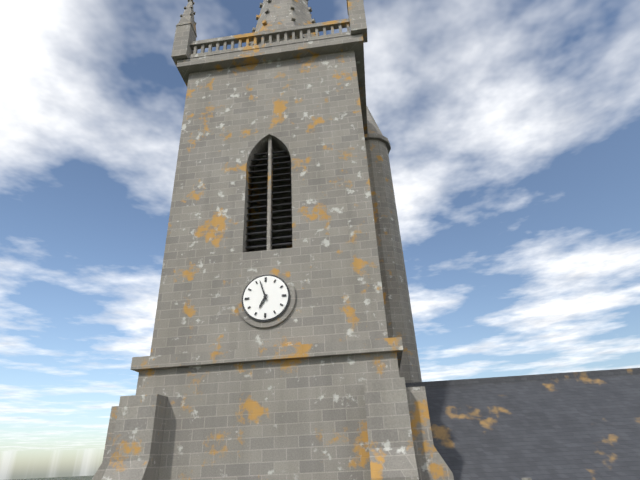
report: 6h57
